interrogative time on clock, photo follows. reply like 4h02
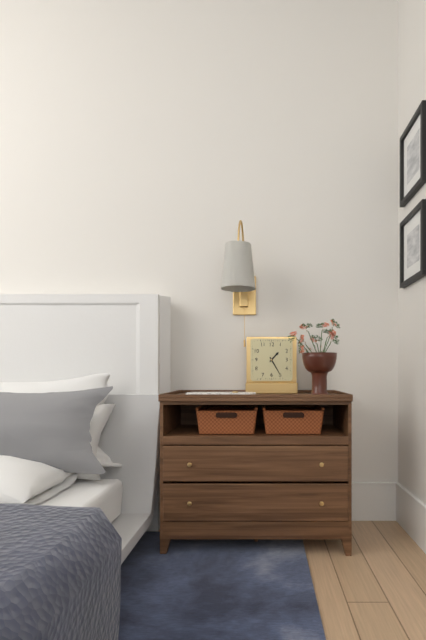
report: 1h25
